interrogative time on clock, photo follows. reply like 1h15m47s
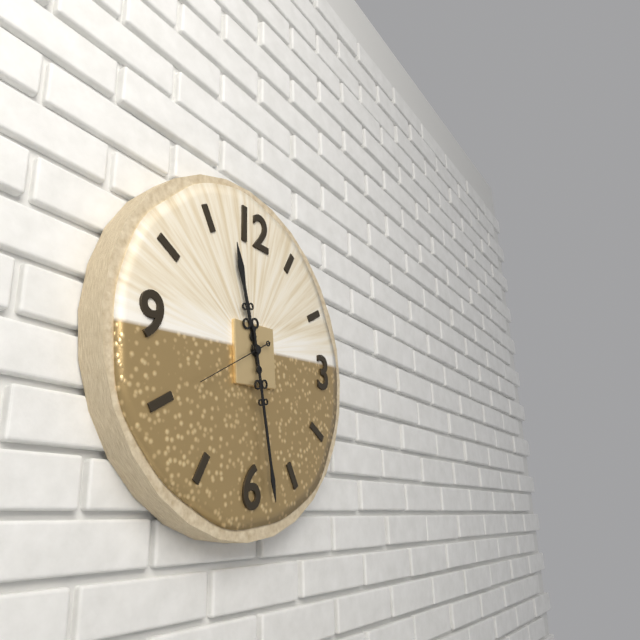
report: 11h28m40s
